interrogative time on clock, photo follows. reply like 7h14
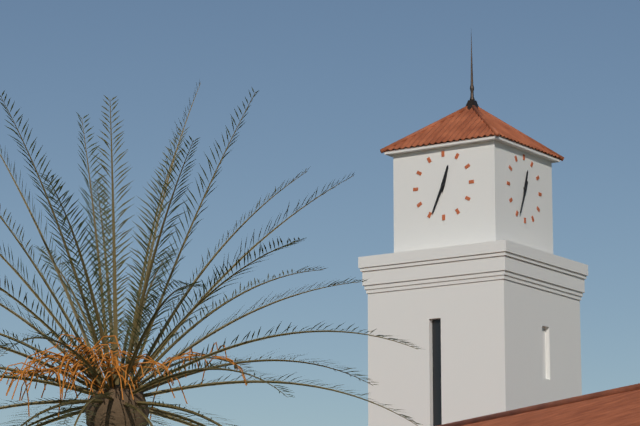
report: 12h34
